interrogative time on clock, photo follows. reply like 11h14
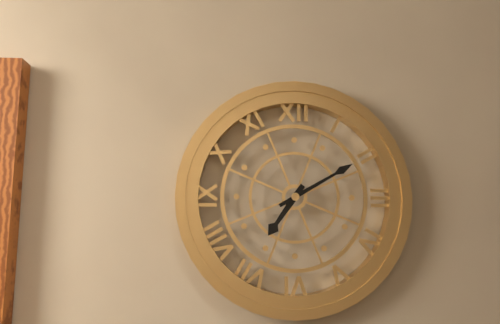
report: 7h10
